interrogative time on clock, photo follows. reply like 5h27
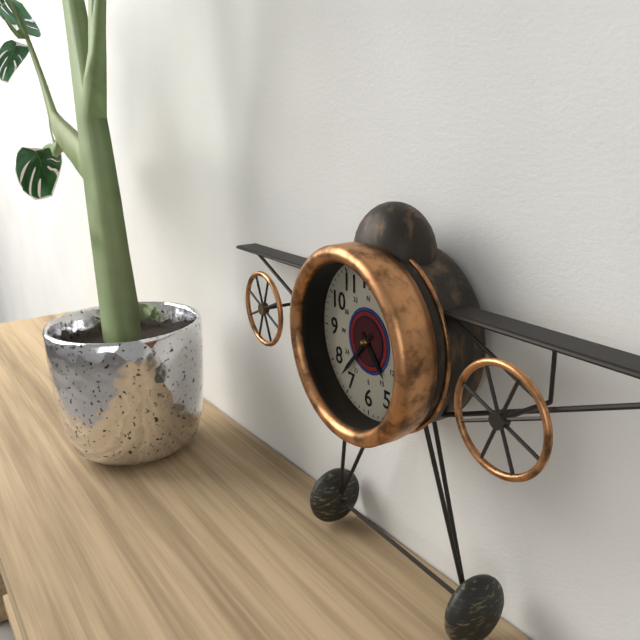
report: 4h37
